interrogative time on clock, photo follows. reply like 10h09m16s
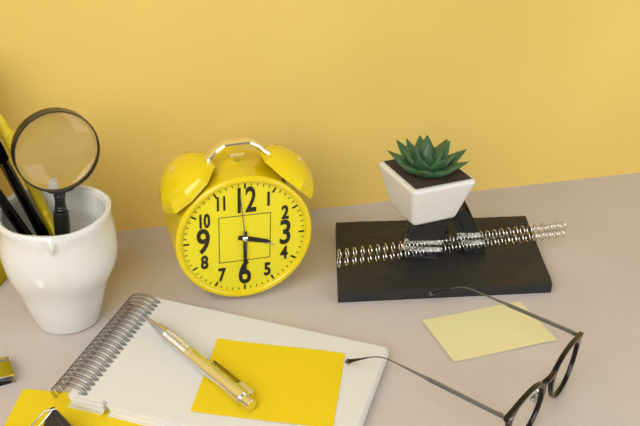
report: 3h30m59s
